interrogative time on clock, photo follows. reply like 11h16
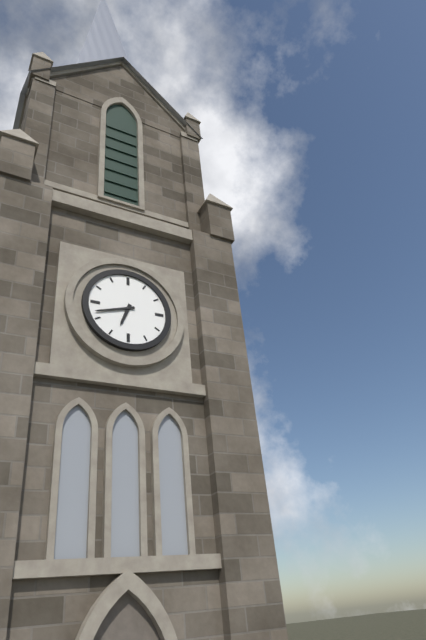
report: 6h42
